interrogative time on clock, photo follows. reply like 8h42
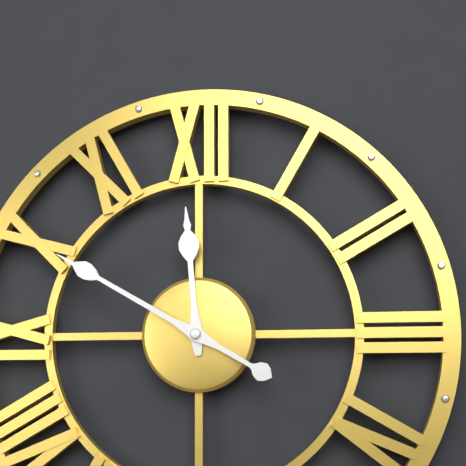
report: 11h50
